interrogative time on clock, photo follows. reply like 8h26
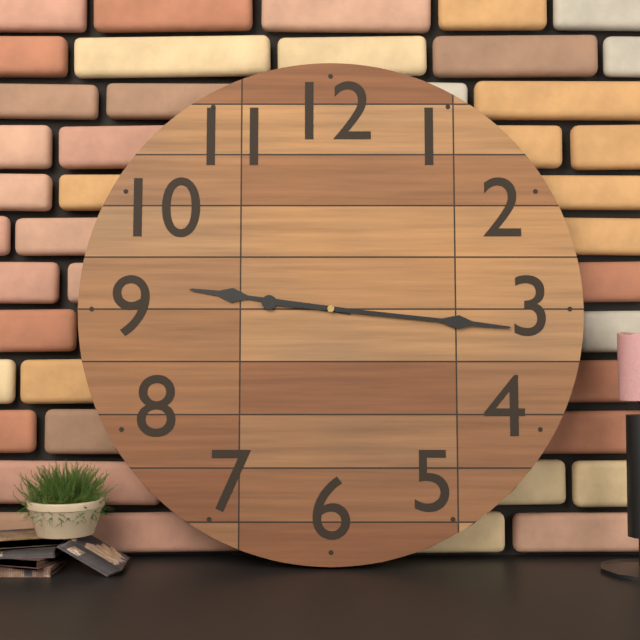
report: 9h16
